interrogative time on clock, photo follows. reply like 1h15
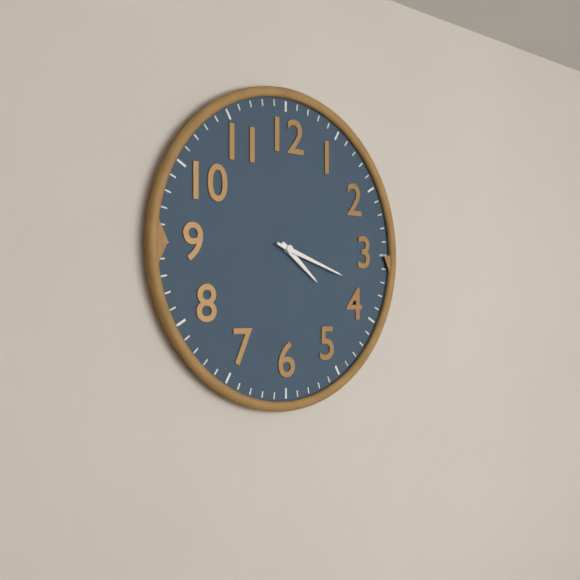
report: 4h18
